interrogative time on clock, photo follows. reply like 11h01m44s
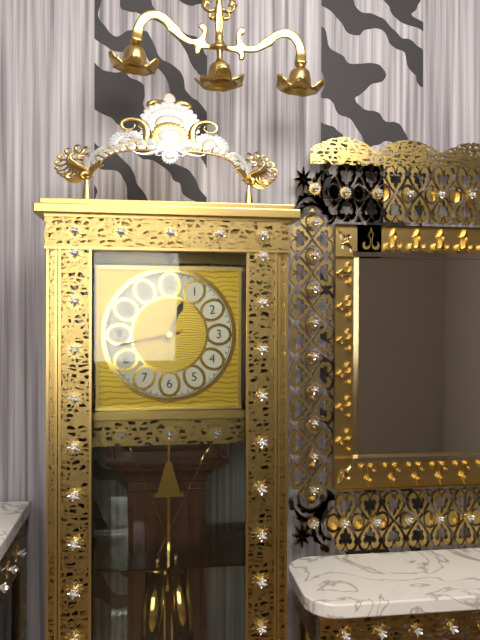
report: 12h43m42s
